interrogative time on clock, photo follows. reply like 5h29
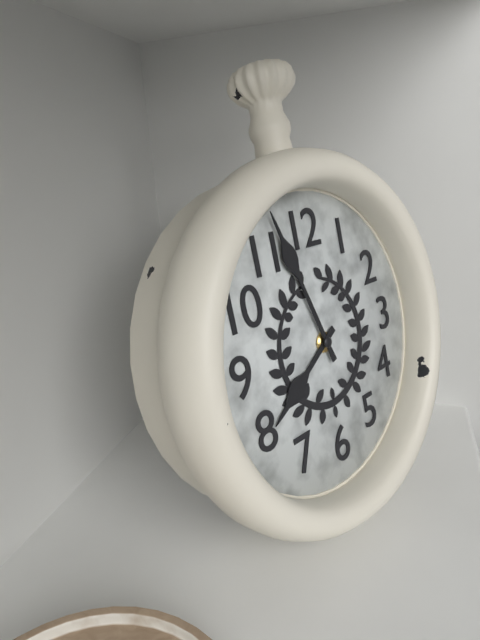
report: 7h57
